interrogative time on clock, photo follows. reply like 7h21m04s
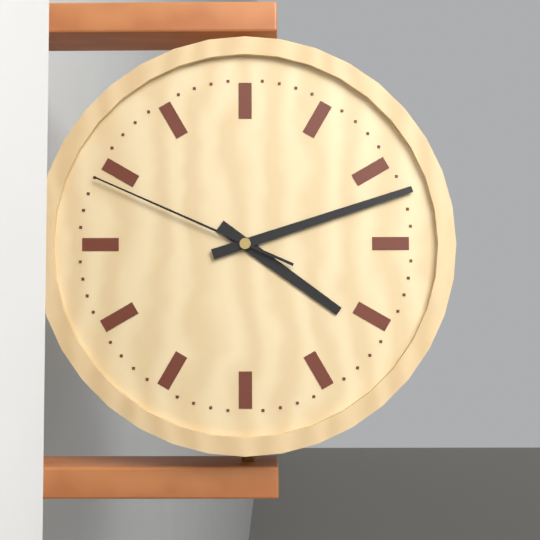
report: 4h12m49s
